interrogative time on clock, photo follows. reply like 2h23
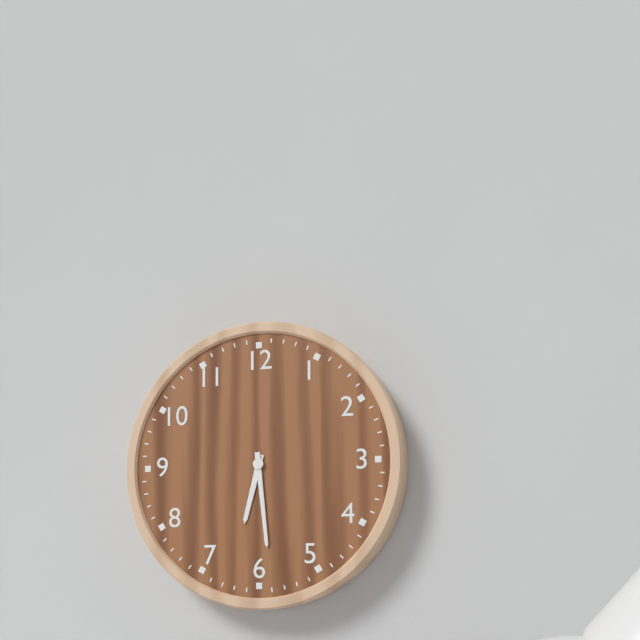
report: 6h29
